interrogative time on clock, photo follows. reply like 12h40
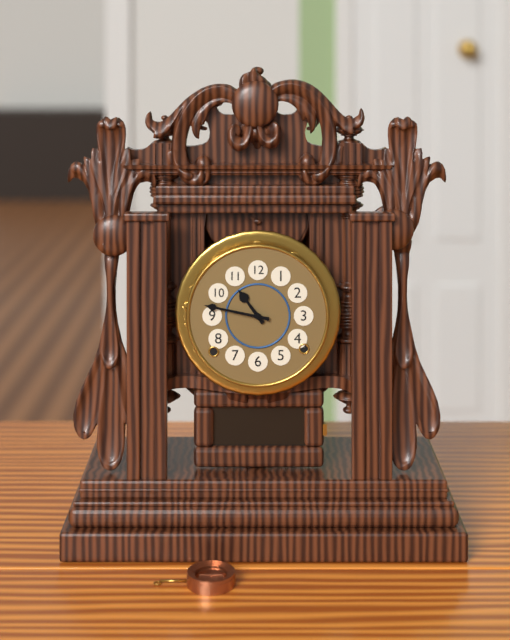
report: 10h47
